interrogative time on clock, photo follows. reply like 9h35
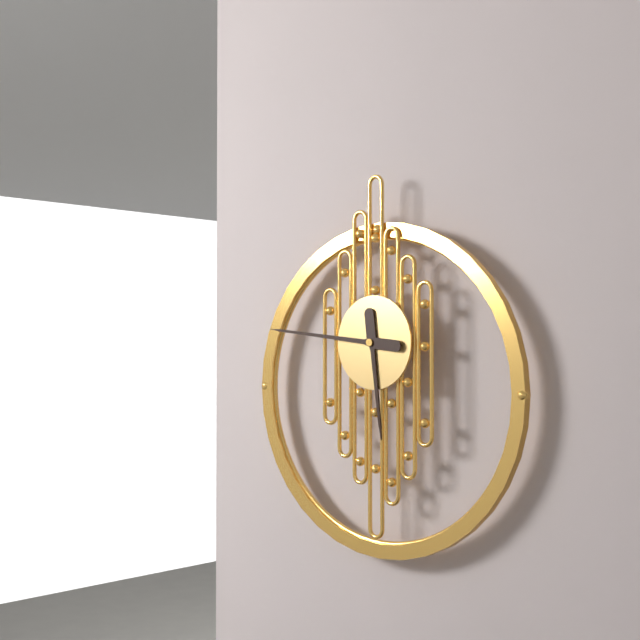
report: 5h46
